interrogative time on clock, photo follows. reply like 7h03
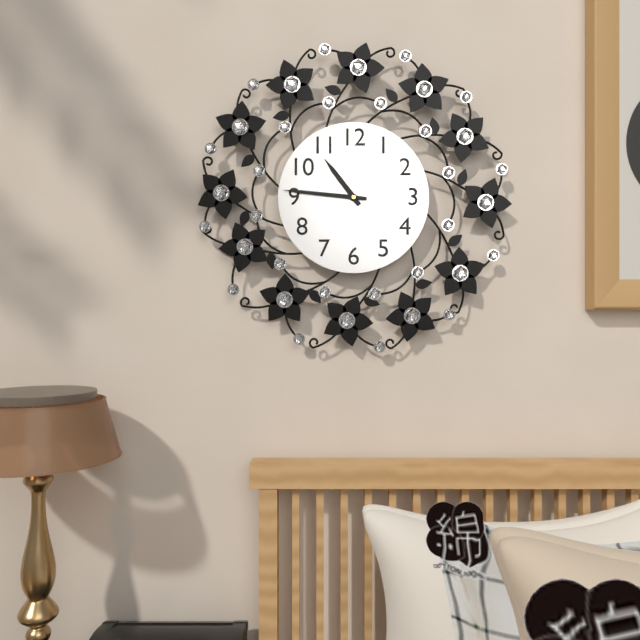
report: 10h46
